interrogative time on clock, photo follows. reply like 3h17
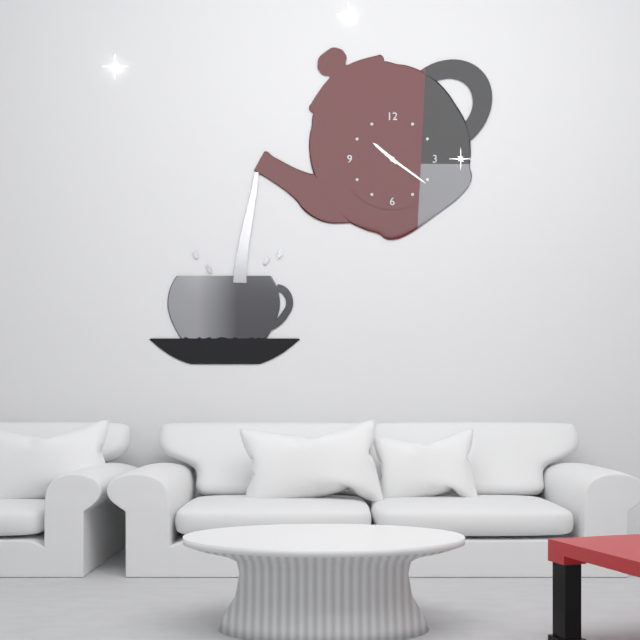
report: 10h21
